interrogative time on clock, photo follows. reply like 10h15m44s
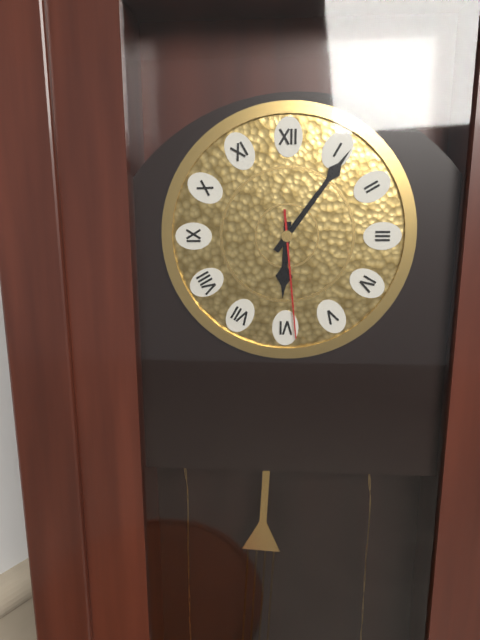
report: 6h06m29s
